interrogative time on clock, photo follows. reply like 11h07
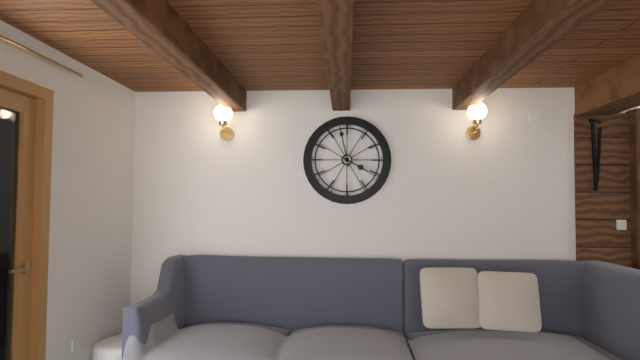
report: 3h58
